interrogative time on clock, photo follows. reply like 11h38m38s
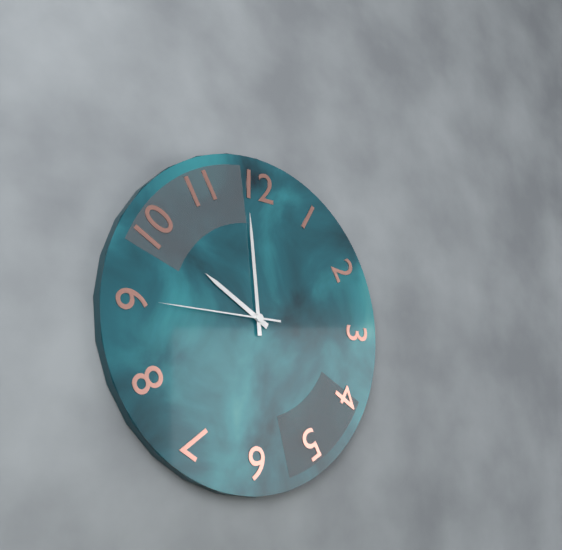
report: 9h59m45s
